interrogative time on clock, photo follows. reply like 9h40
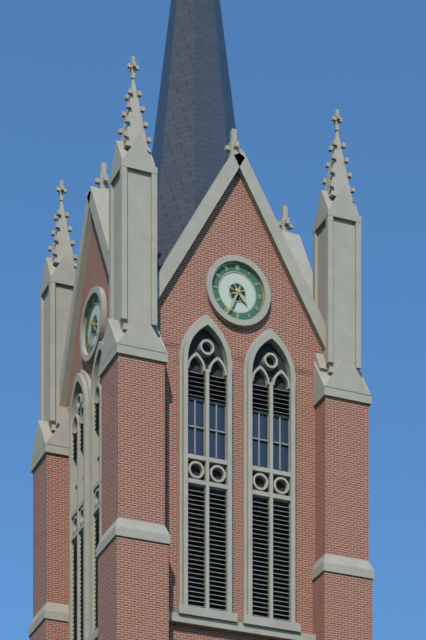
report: 4h34
